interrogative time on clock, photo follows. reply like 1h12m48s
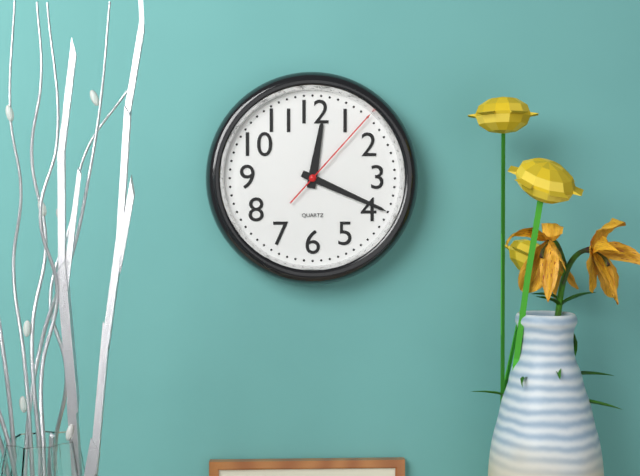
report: 12h19m07s
